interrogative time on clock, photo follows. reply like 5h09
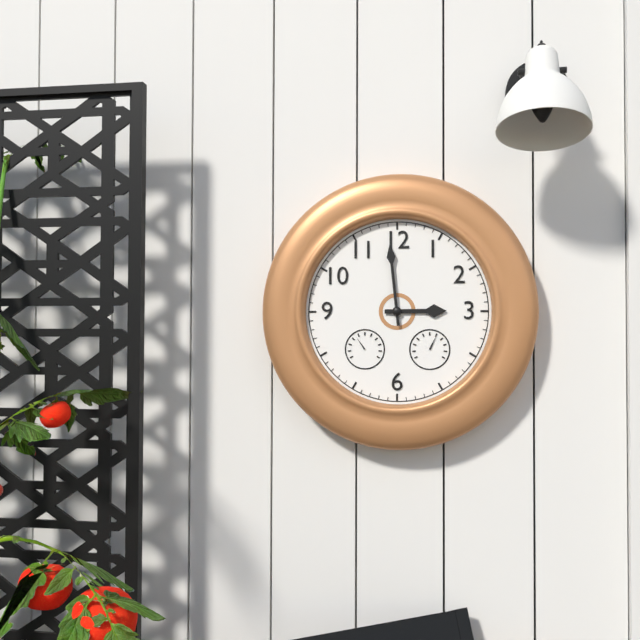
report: 2h59
